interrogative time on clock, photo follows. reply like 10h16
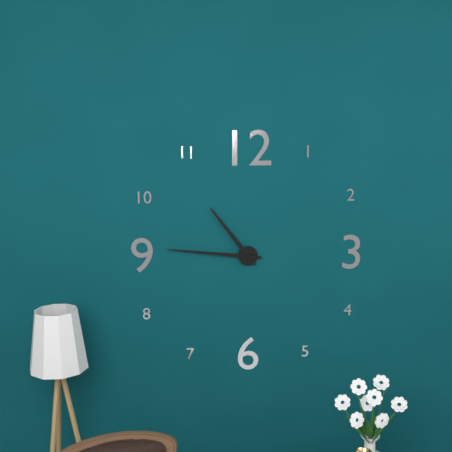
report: 10h46
